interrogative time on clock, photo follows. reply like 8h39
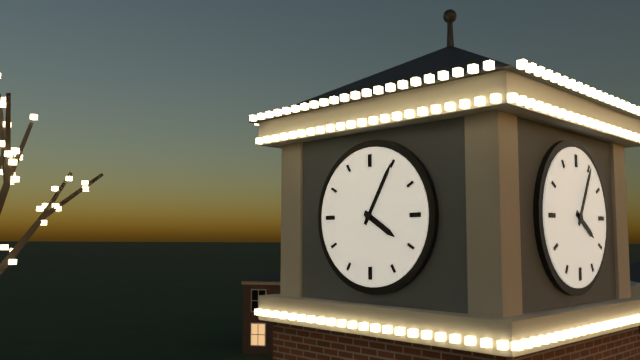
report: 4h05
